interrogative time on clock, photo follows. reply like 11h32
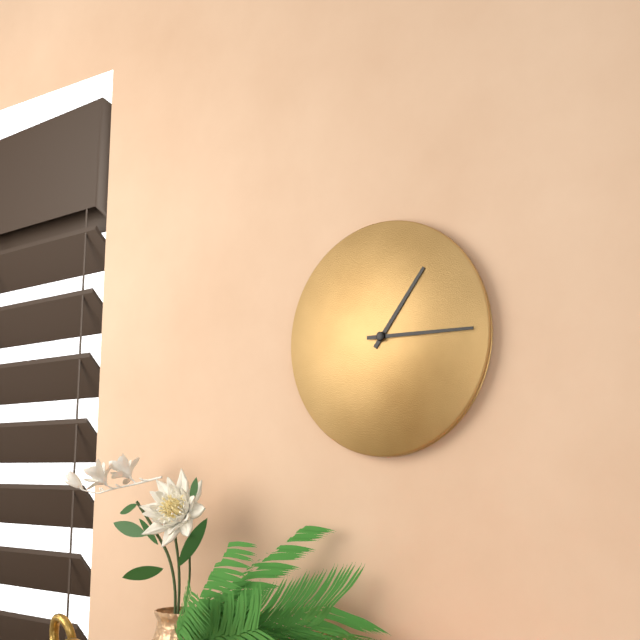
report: 1h15
